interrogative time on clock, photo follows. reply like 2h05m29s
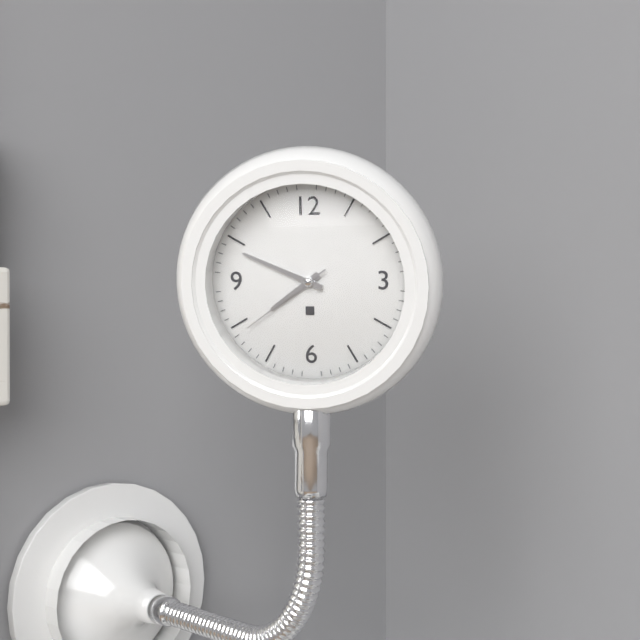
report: 7h49m39s
